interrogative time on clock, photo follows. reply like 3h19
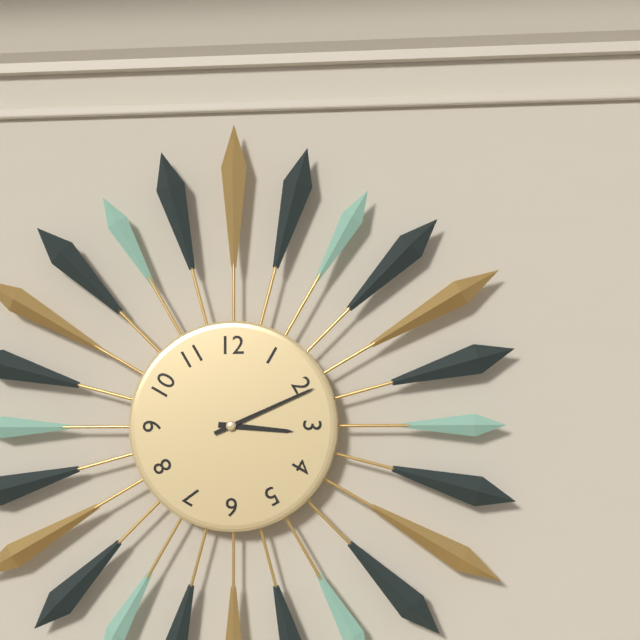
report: 3h11
